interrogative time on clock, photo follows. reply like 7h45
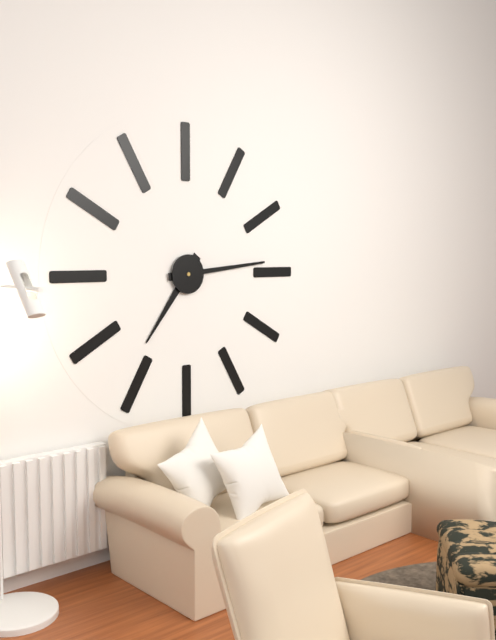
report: 7h14
